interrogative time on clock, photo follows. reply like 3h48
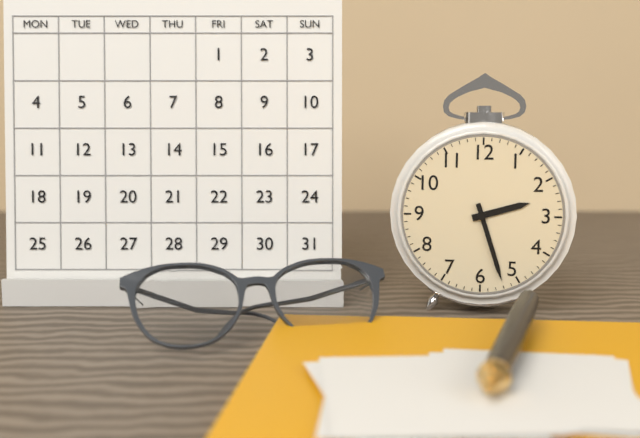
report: 2h27
